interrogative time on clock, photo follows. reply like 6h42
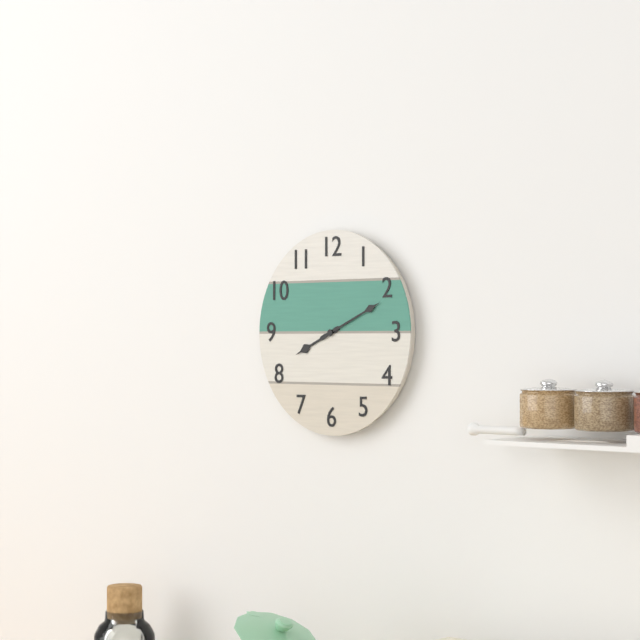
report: 8h11
